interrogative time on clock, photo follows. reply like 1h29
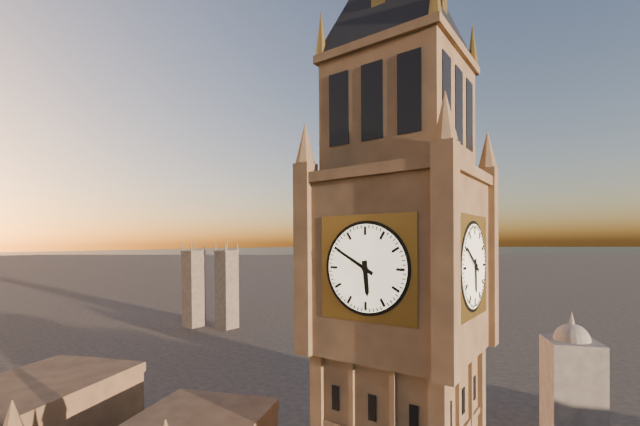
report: 5h50
